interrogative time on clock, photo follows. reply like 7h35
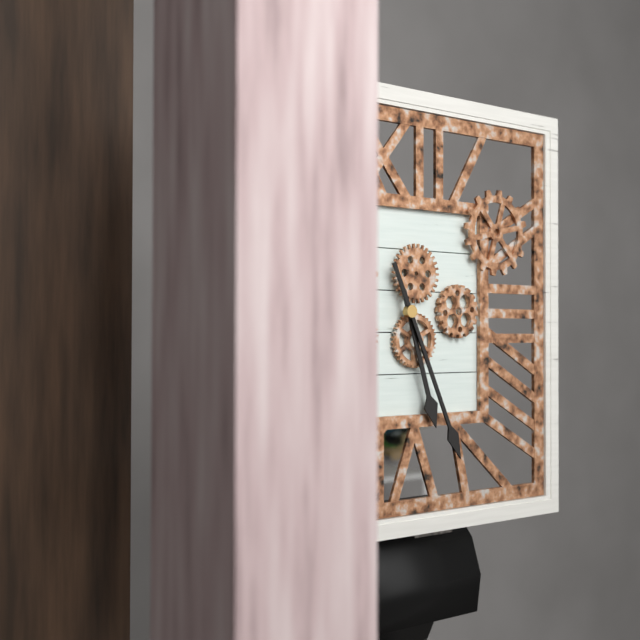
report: 5h26
